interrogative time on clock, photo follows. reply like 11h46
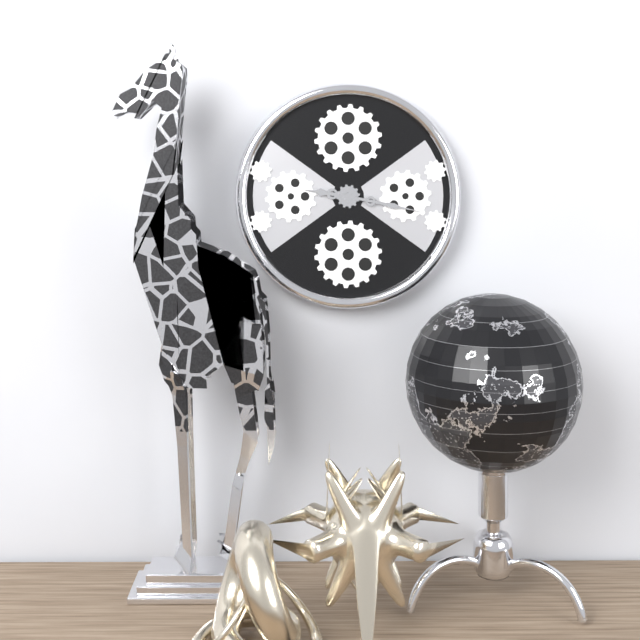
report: 9h17
